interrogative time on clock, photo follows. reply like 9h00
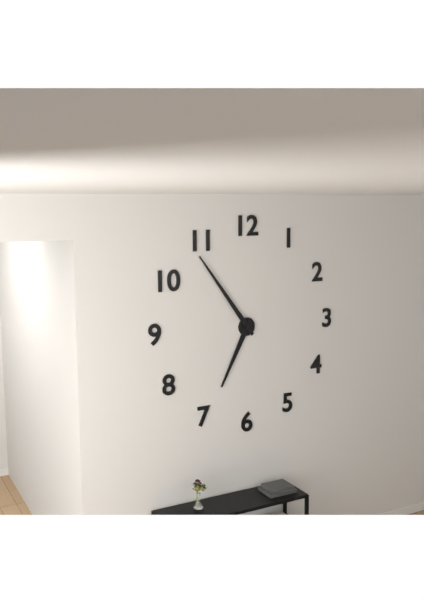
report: 6h54
